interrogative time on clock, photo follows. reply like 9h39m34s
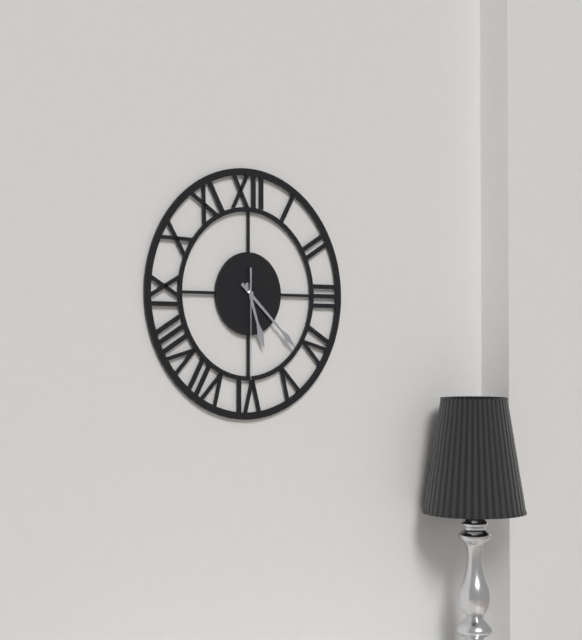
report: 5h22m30s
